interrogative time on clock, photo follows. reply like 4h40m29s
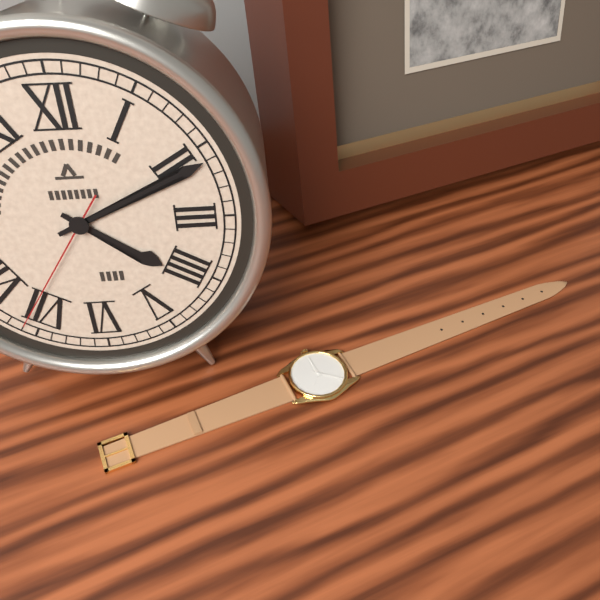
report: 4h11m36s
